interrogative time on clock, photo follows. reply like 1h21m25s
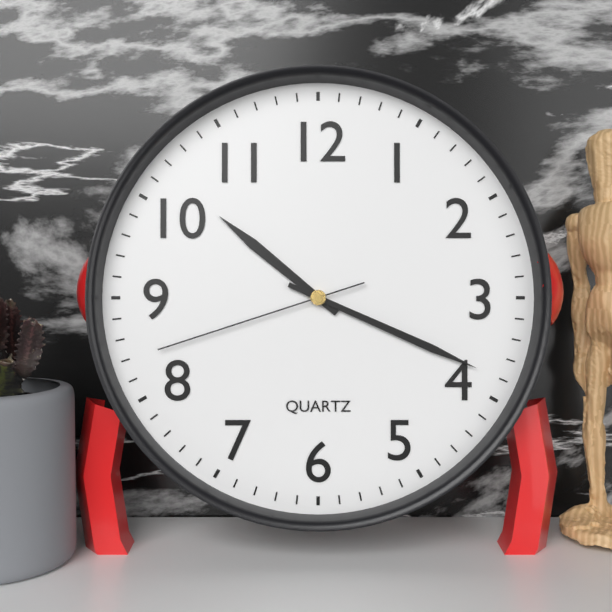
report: 10h19m42s
